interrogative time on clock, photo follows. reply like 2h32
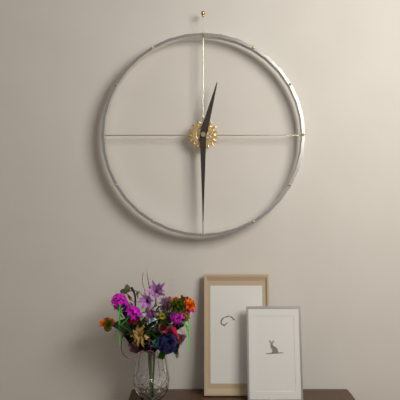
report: 12h30
